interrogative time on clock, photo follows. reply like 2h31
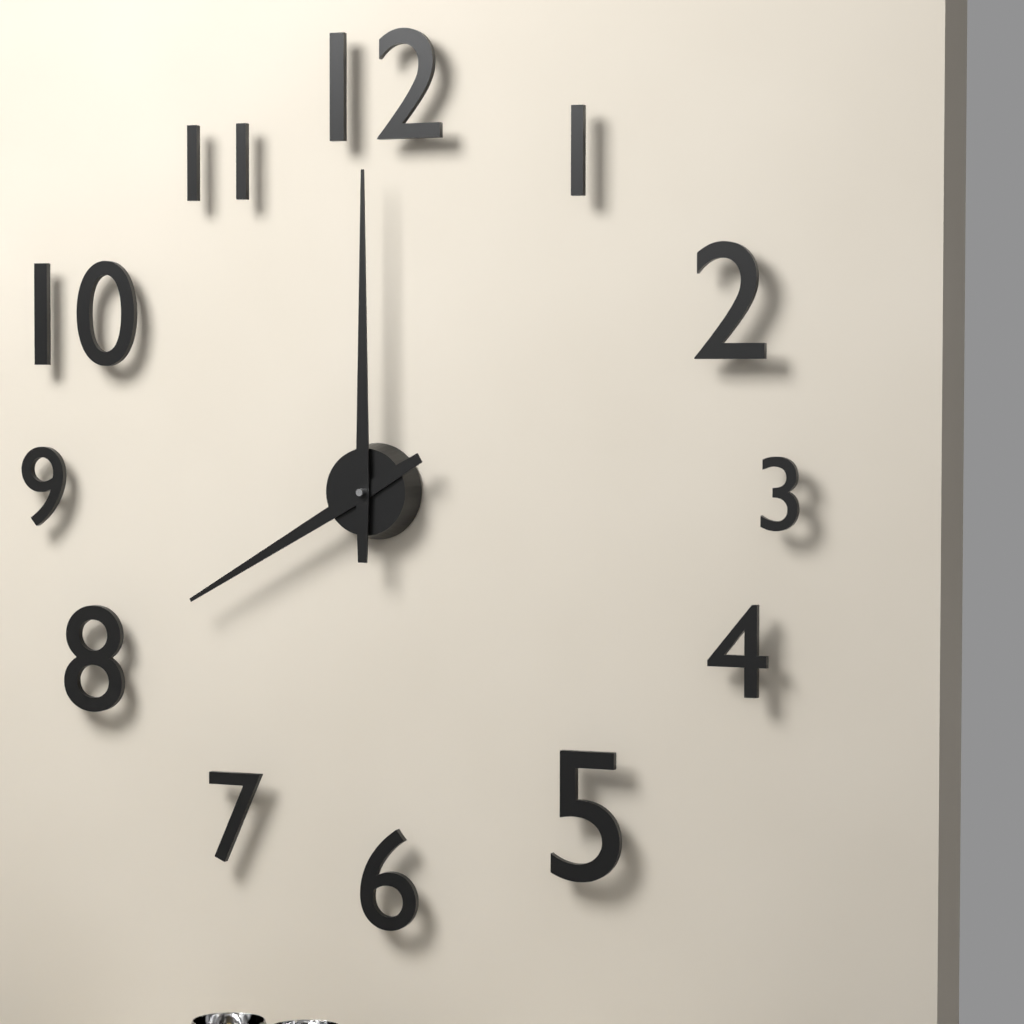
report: 8h00
